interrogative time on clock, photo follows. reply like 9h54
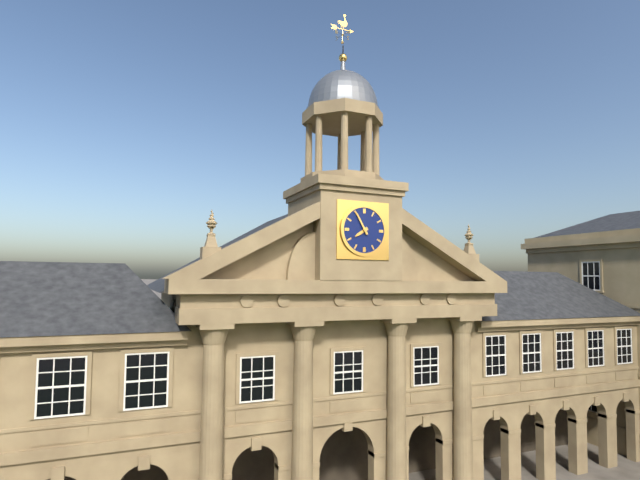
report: 7h55
